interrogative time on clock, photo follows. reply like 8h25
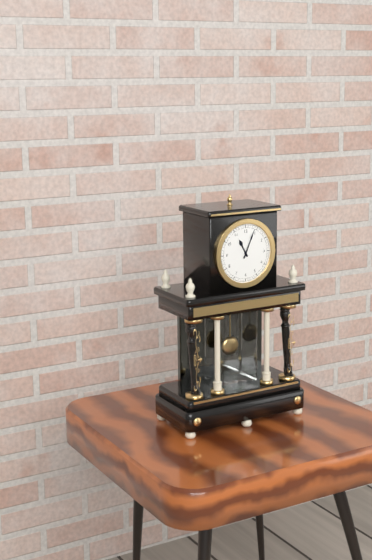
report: 11h04
